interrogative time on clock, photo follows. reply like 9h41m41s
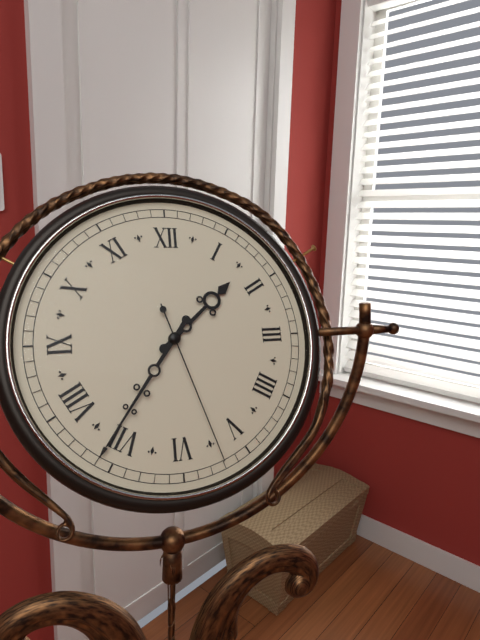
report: 1h36m27s
